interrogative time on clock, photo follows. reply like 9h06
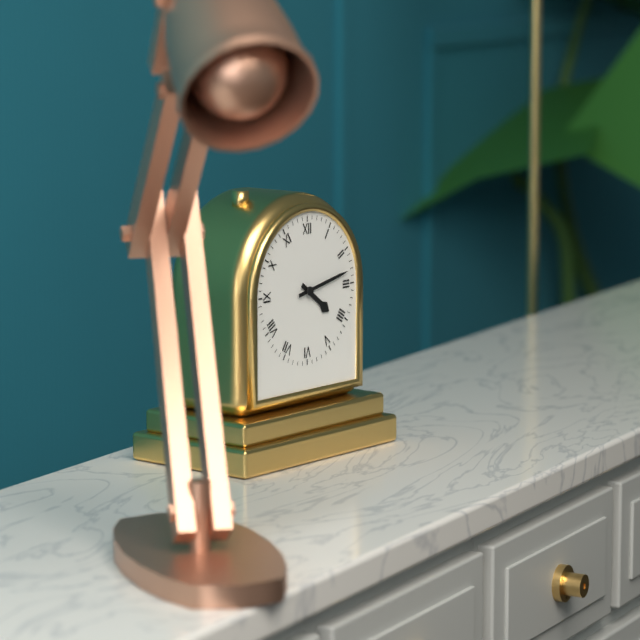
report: 4h13
